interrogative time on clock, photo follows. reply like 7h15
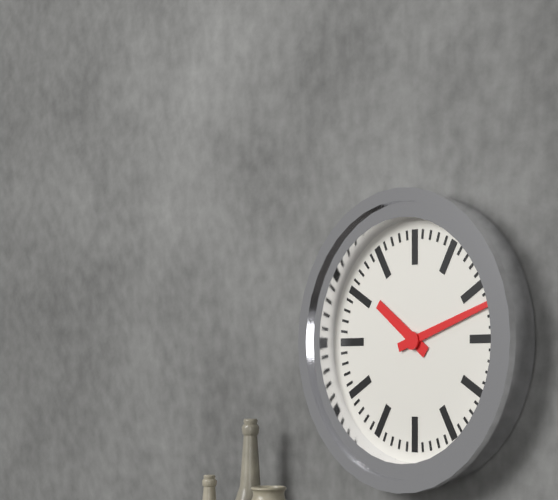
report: 10h12
